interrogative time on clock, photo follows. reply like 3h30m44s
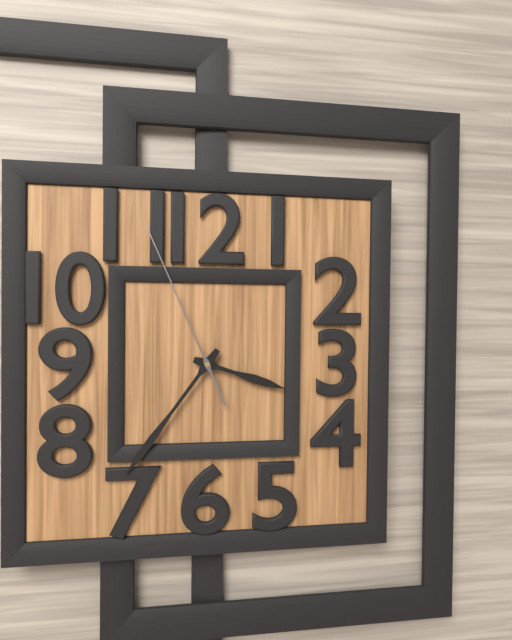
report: 3h36m56s
